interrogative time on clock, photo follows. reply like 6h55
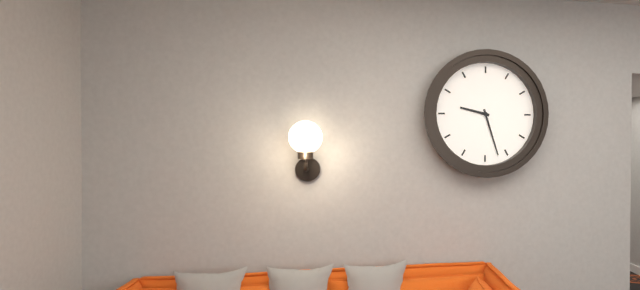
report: 9h27
